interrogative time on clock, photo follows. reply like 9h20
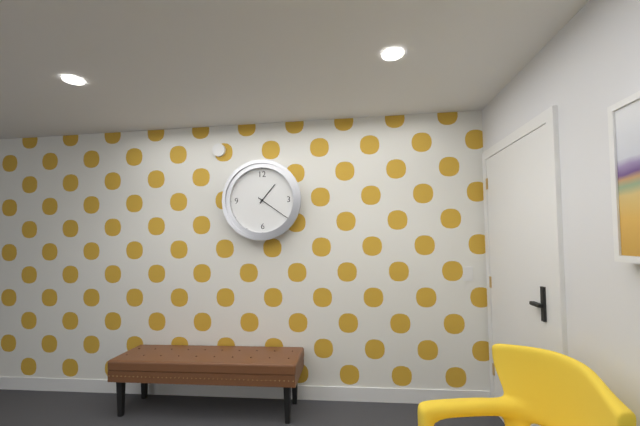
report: 1h21
